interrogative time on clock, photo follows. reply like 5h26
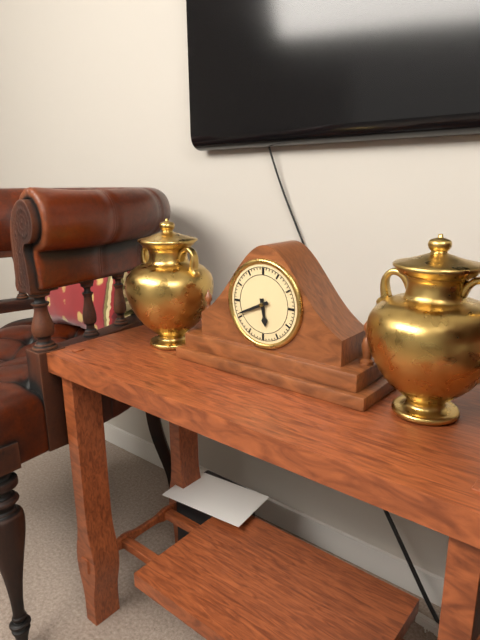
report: 5h41
